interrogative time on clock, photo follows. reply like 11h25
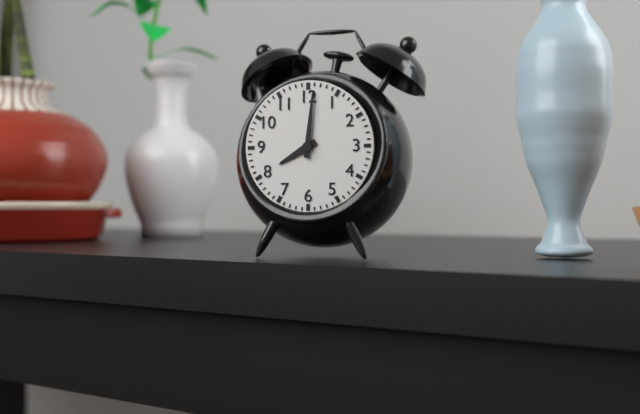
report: 8h01
